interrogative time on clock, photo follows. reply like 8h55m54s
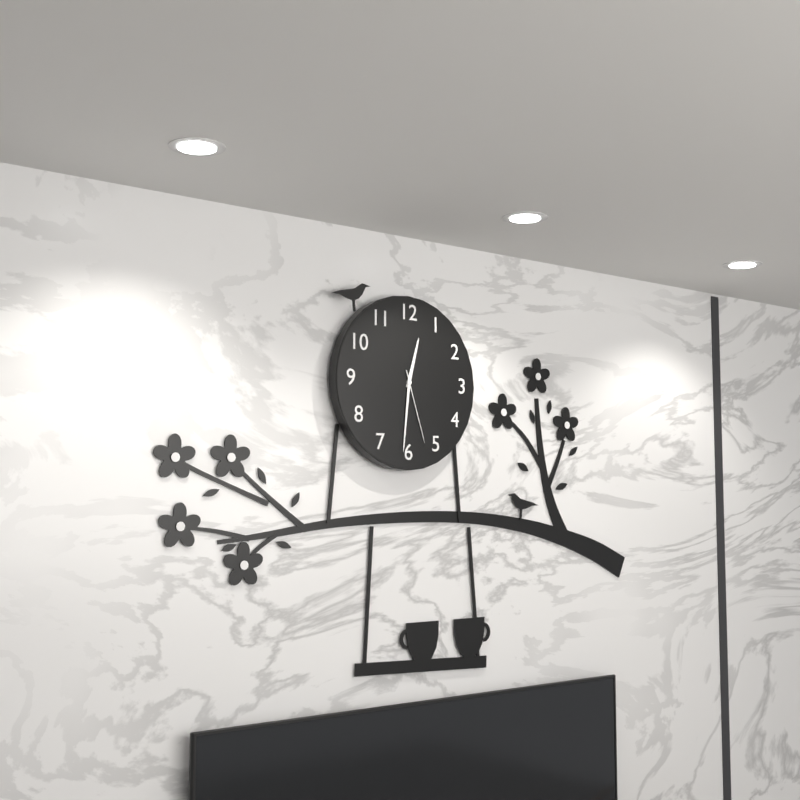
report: 12h31m27s
